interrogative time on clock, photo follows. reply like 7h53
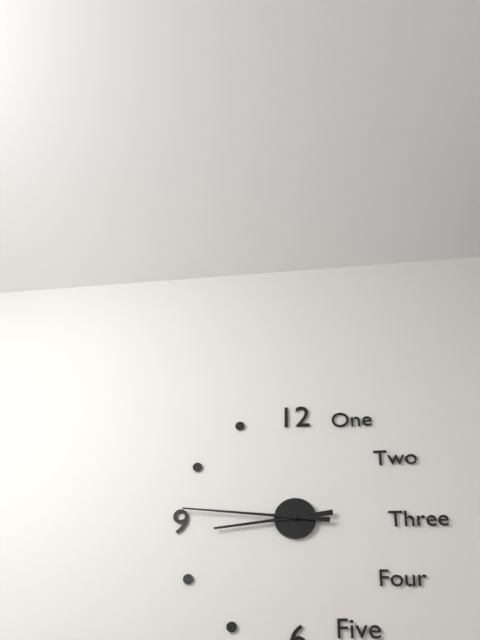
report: 8h46
